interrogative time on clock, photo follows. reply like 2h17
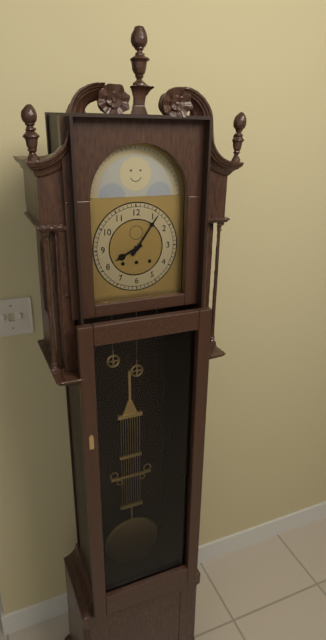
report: 8h06
